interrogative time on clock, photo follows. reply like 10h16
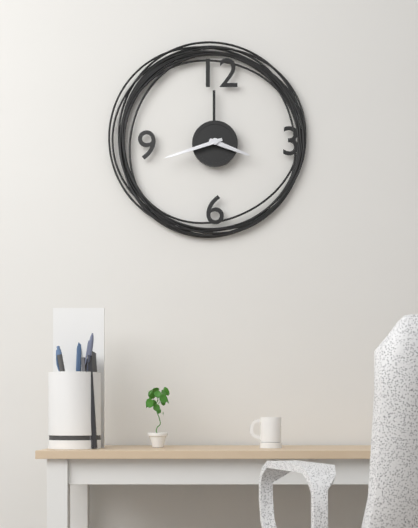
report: 3h42
